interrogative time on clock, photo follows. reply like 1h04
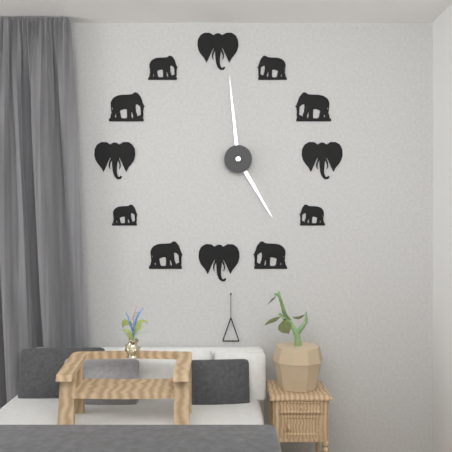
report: 4h59
